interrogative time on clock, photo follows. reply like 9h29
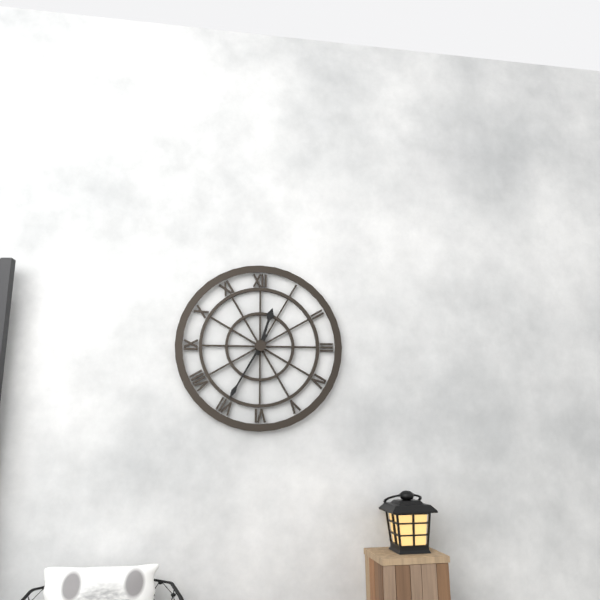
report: 12h35
